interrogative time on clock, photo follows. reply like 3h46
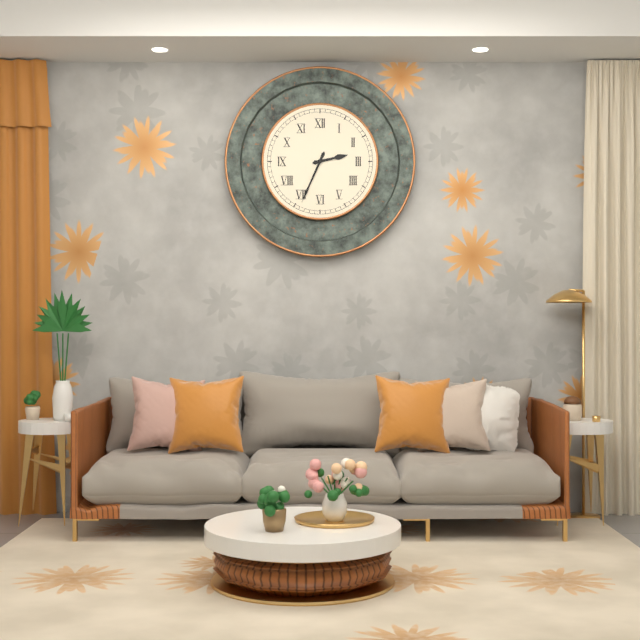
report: 2h34
